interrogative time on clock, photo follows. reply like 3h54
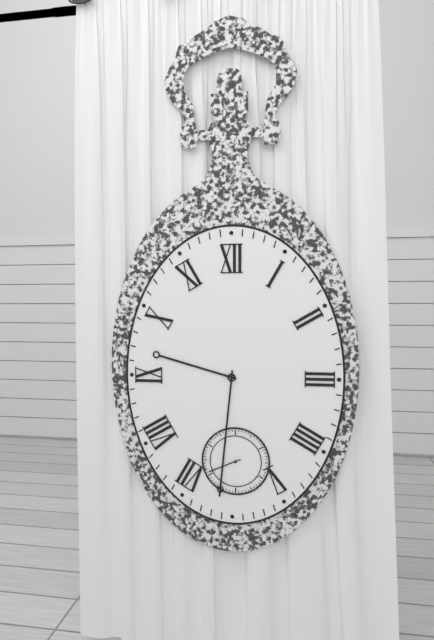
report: 9h31
